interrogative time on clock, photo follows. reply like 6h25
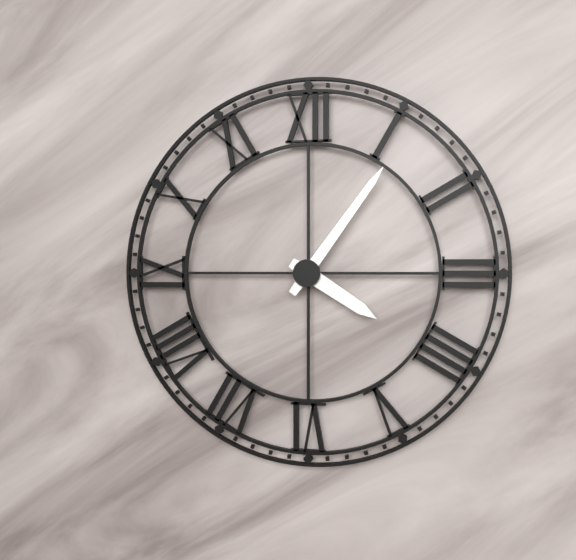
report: 4h06
